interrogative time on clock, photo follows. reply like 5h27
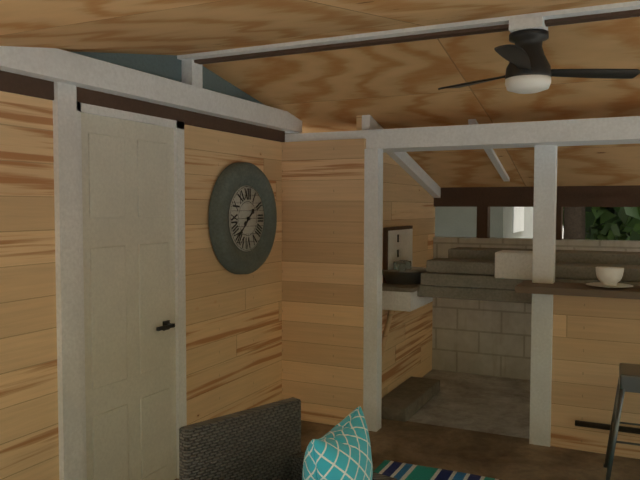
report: 1h38
